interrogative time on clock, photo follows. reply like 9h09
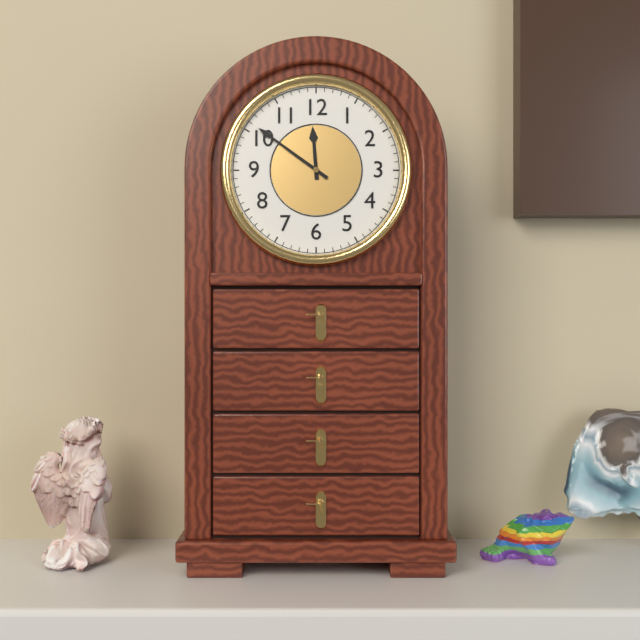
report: 11h51
